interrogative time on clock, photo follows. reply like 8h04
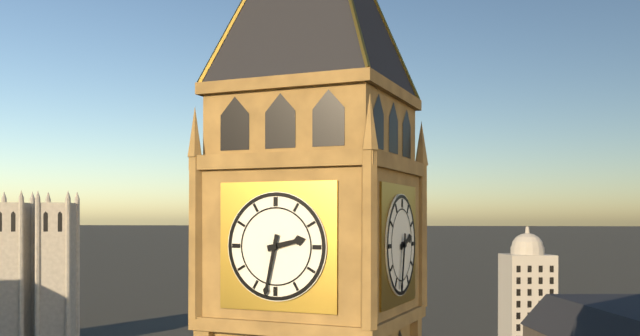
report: 2h32
